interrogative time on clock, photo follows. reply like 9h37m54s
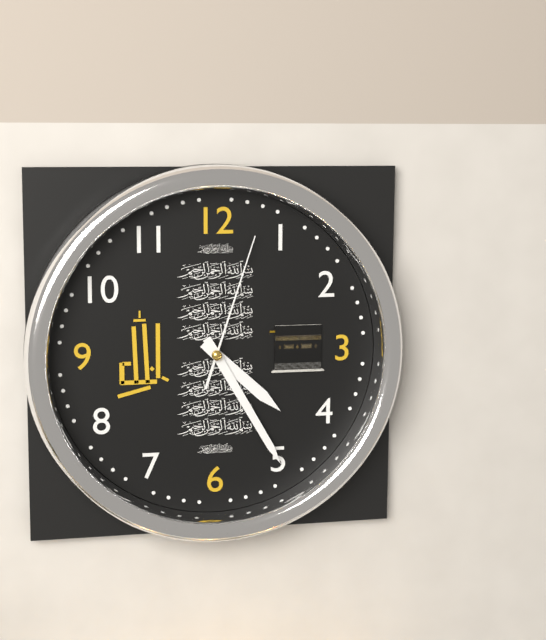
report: 4h25m03s
